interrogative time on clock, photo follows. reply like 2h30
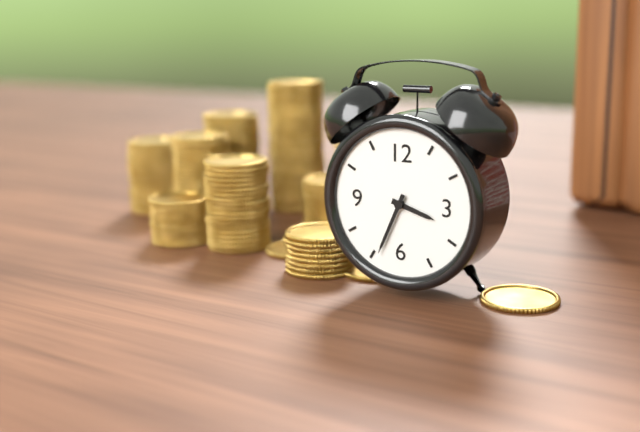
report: 3h34
